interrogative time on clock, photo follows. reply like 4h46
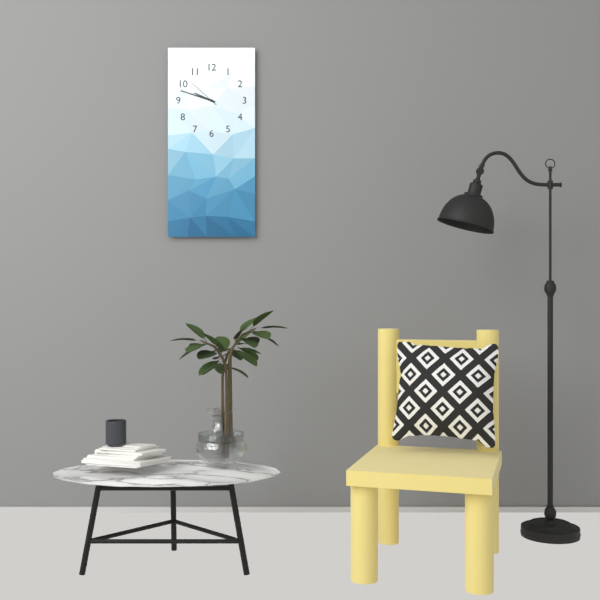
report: 9h48
